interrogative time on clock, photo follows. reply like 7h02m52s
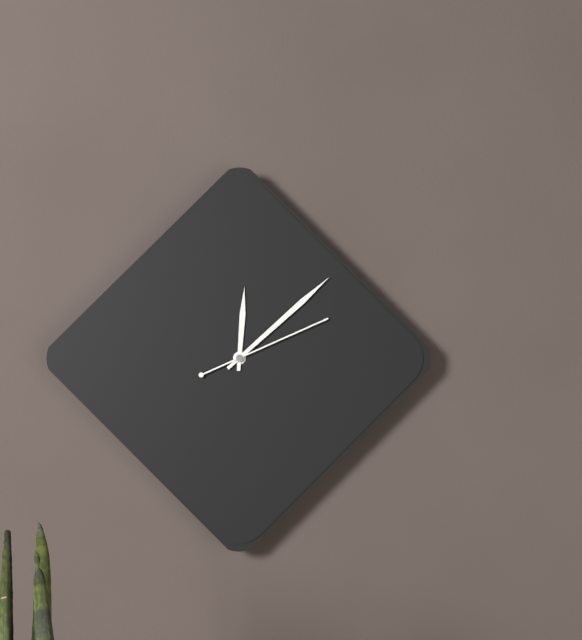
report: 12h08m11s
